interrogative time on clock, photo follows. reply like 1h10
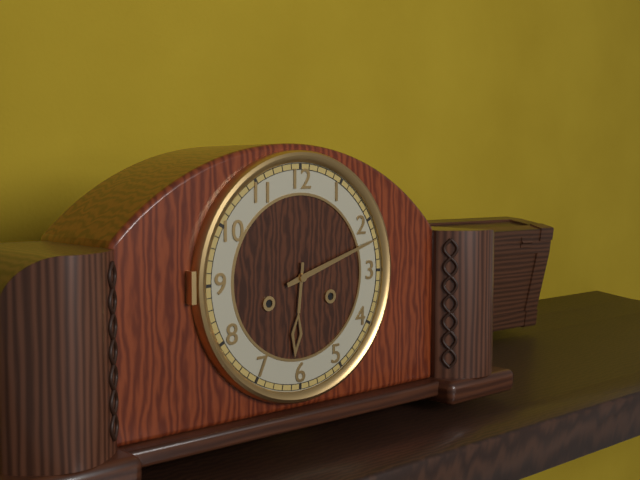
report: 6h12
